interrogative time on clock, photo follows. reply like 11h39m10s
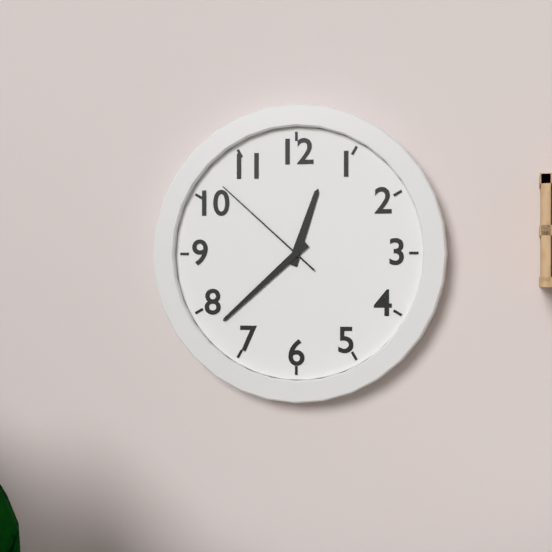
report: 12h38m52s
